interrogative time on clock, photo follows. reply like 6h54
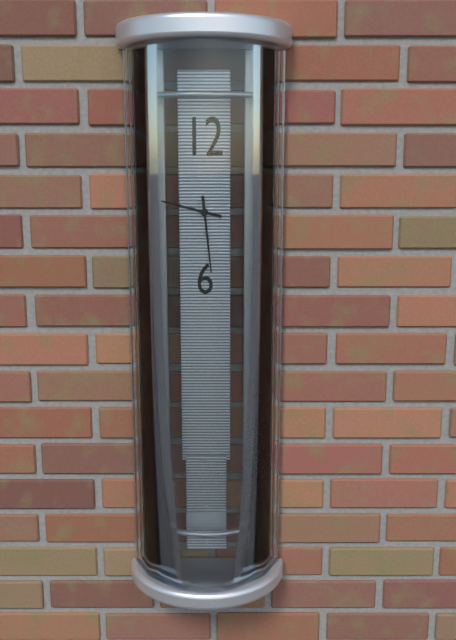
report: 9h29
